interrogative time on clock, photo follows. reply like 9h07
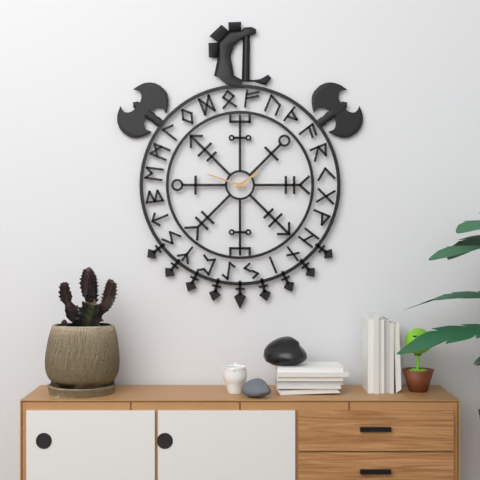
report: 1h48
